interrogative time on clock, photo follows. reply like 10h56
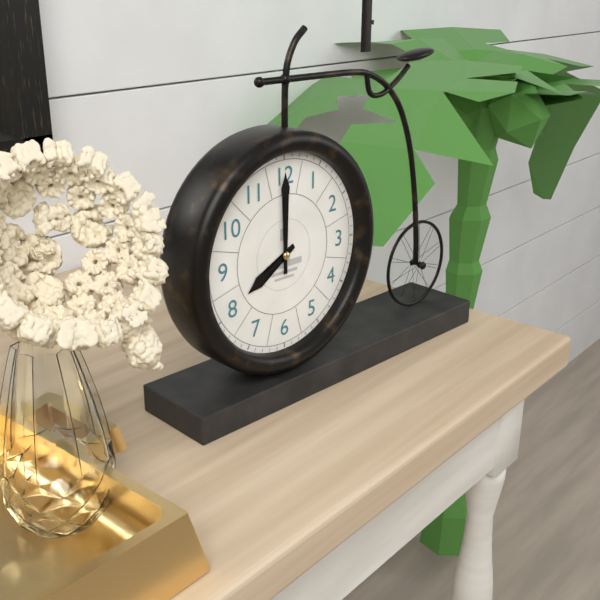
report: 8h00
